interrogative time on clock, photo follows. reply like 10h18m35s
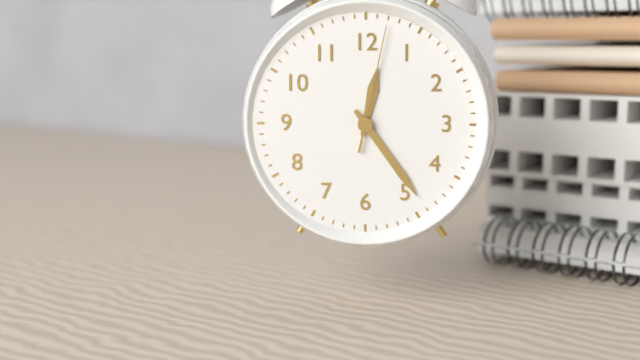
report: 12h24m02s
